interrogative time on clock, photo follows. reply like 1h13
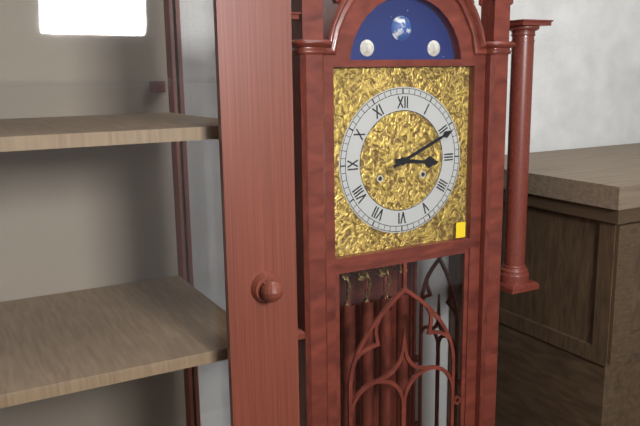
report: 3h11
